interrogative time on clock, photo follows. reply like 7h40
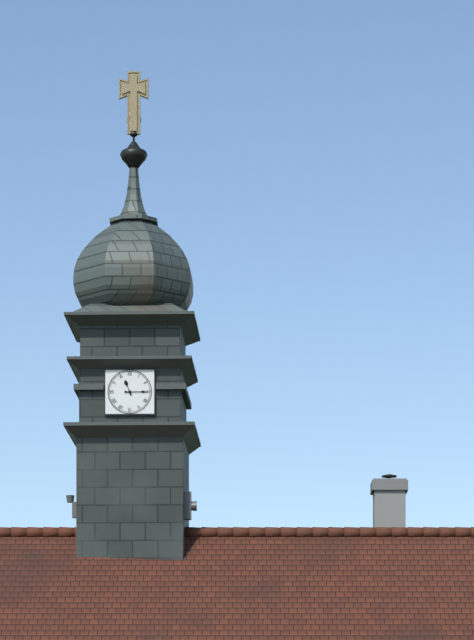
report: 11h15
